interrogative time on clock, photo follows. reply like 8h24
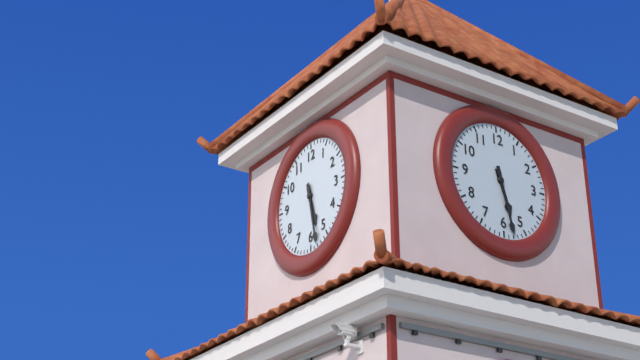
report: 5h28
